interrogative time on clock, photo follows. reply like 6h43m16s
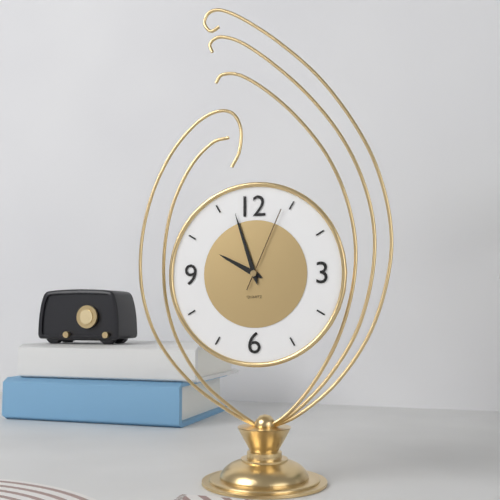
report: 9h57m04s
